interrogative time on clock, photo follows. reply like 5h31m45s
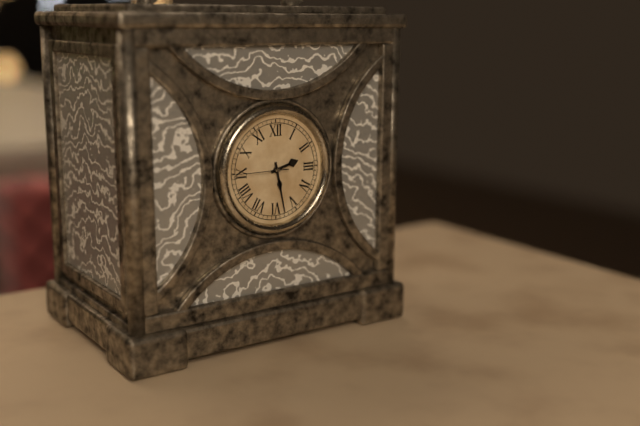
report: 2h28m45s
